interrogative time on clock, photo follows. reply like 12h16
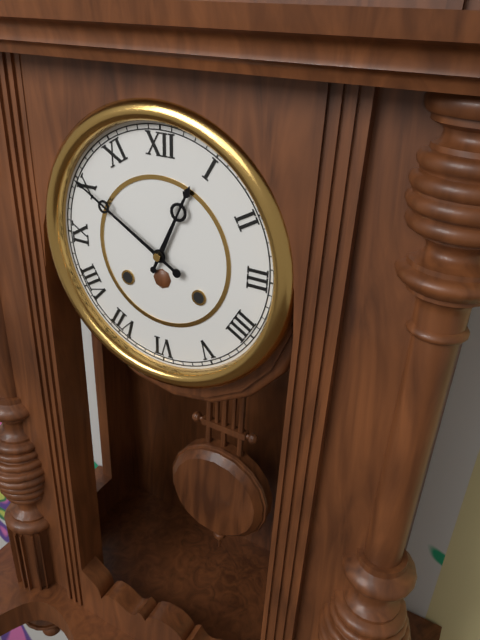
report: 12h50
